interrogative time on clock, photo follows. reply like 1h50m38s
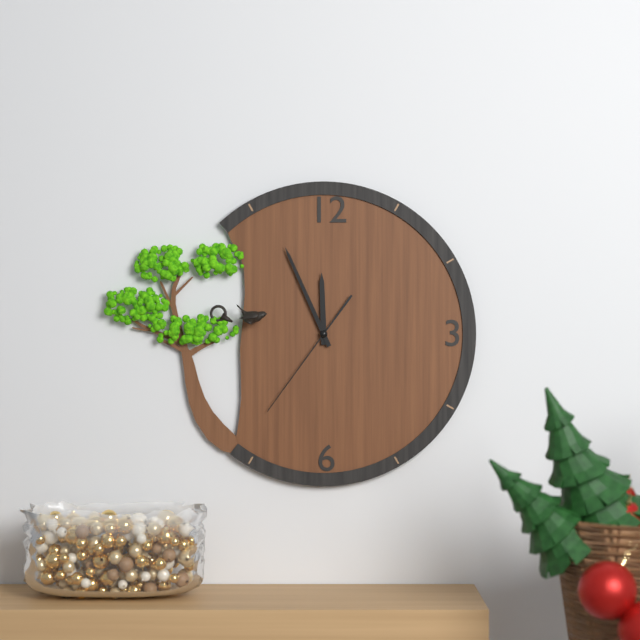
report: 11h56m36s
